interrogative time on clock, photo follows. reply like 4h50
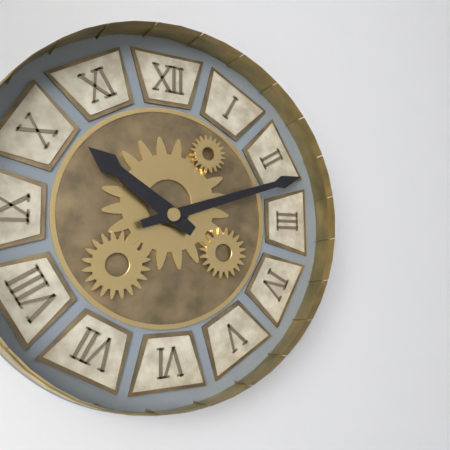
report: 10h12
